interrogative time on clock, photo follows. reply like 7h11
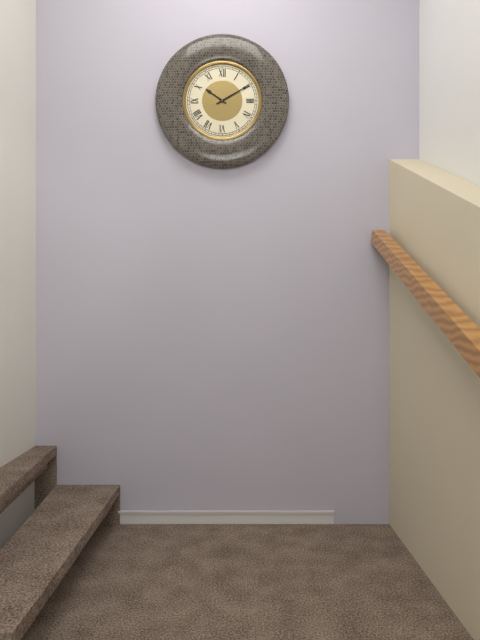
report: 10h10
